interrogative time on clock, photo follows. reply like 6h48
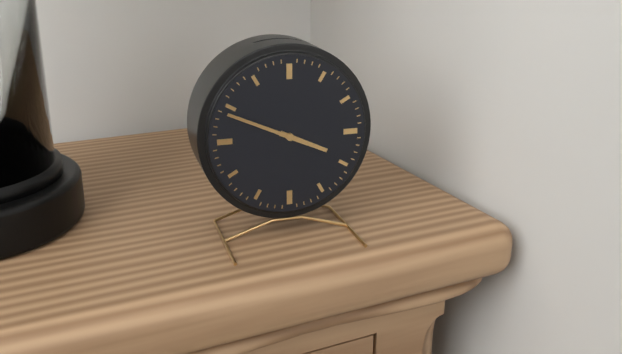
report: 3h49
